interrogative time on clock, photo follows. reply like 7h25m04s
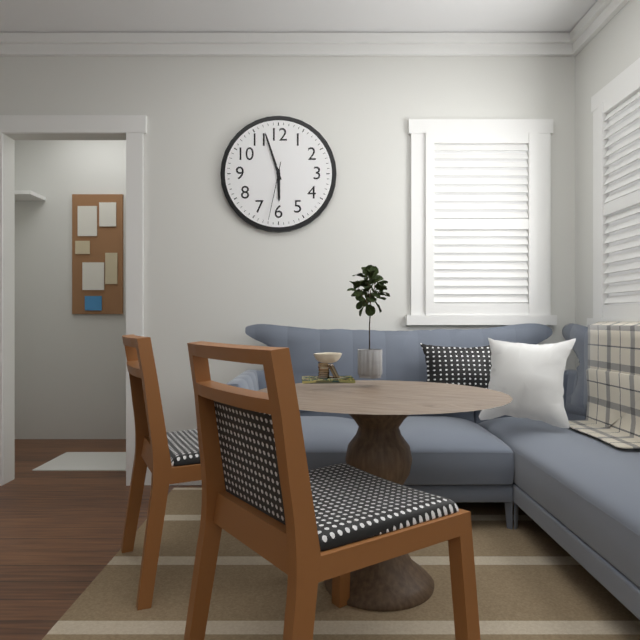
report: 5h57m32s
